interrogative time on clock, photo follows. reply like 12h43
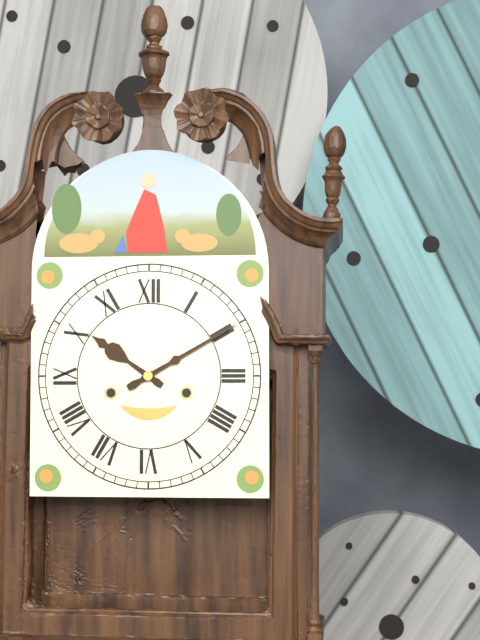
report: 10h10
